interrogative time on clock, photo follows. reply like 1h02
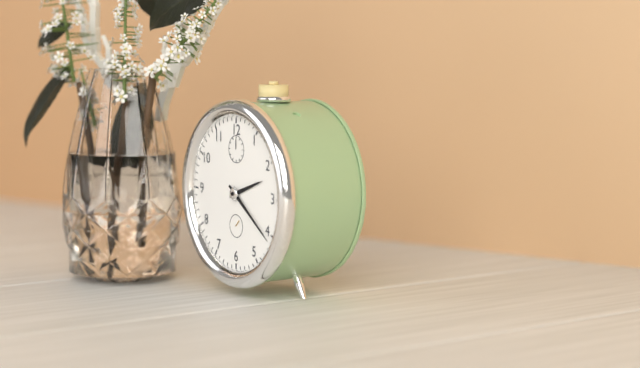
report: 2h21
